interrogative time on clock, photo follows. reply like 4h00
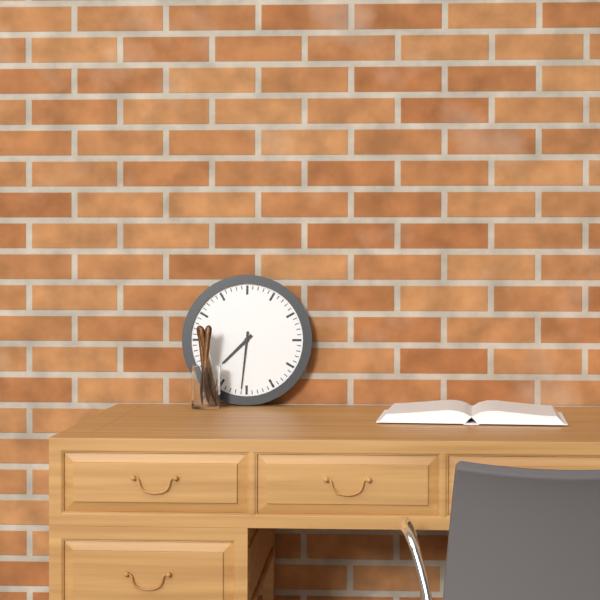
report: 7h31
